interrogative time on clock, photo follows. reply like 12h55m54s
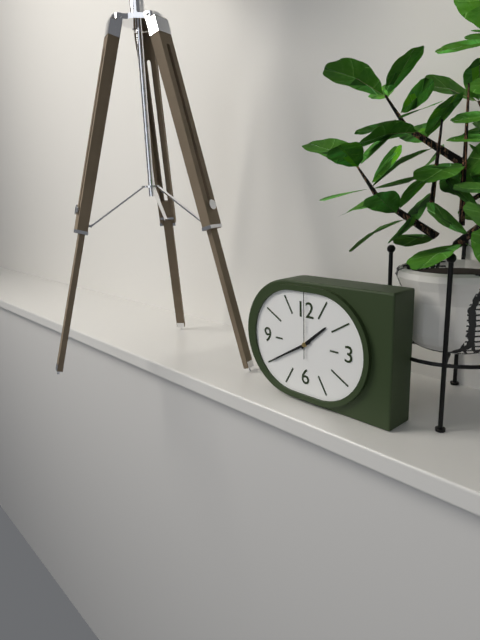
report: 1h40m00s
